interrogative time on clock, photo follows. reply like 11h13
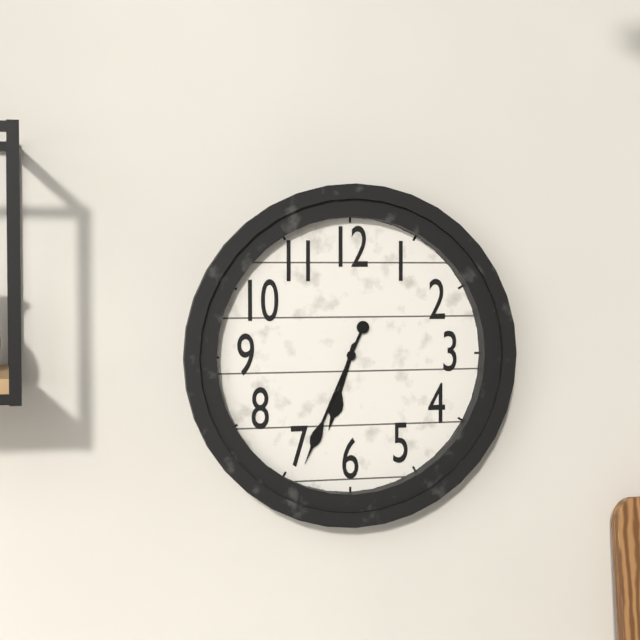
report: 6h34
